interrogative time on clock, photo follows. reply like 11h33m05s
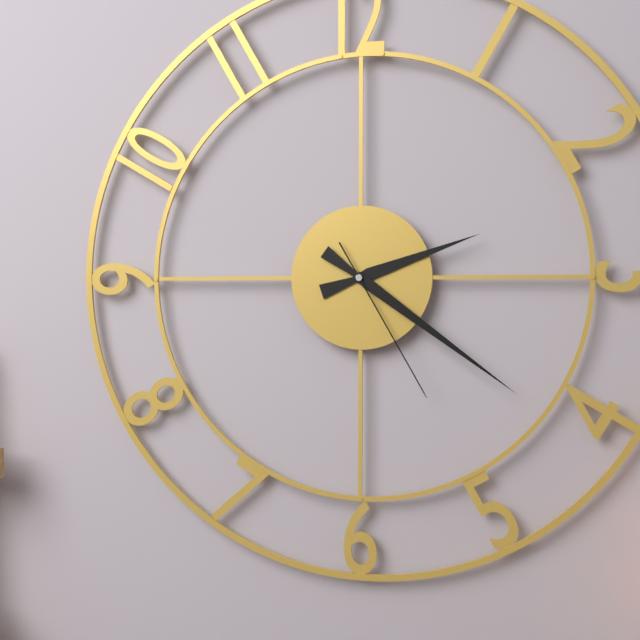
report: 2h21m25s
